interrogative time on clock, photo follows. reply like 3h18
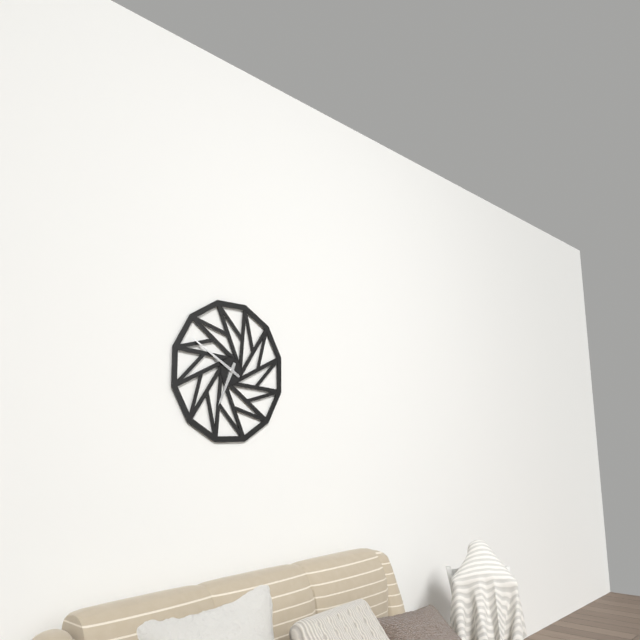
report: 6h50
